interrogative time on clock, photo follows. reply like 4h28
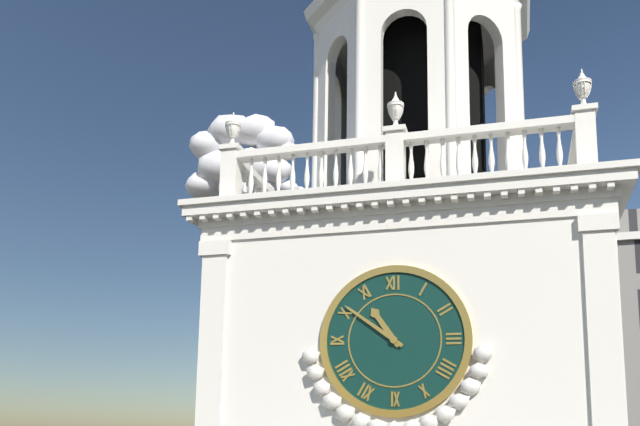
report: 10h51
